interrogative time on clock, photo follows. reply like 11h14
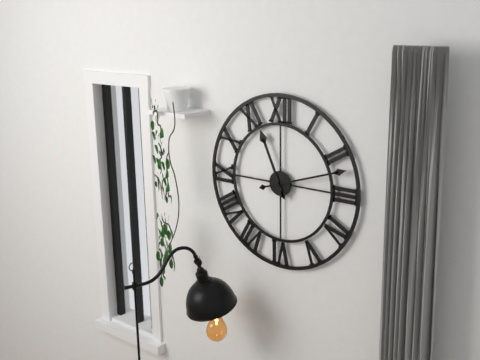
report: 11h12
